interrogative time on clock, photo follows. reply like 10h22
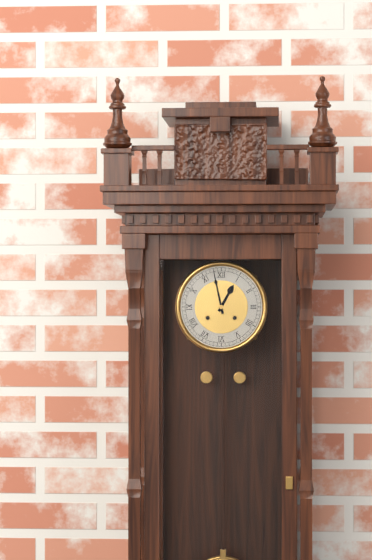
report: 12h58
